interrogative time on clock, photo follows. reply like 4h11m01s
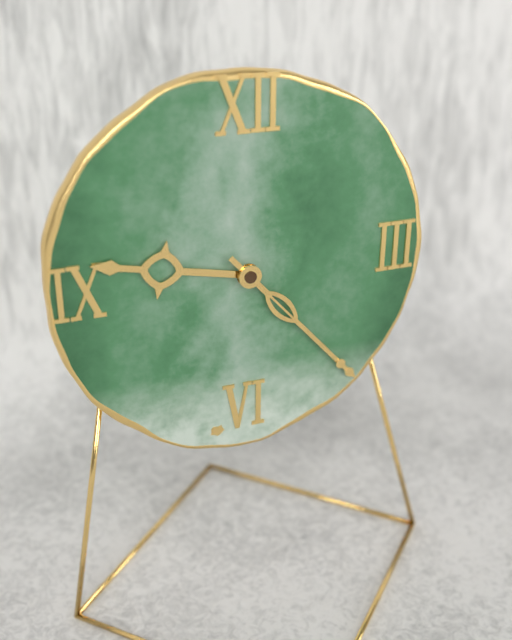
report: 9h23m23s
